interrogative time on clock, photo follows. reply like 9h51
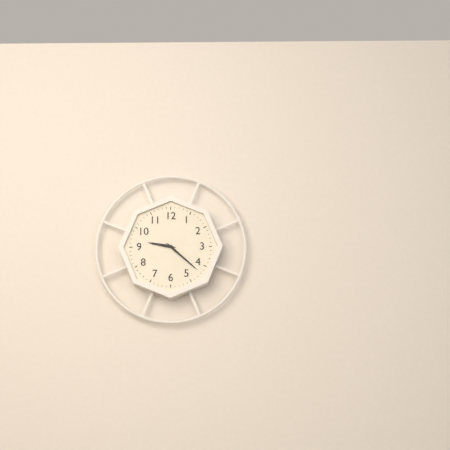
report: 9h22
